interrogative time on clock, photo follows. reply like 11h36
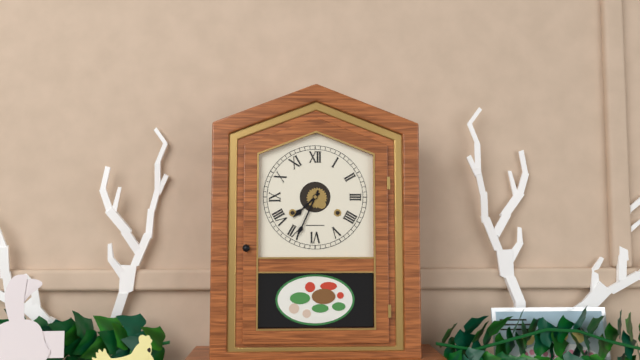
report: 7h34
